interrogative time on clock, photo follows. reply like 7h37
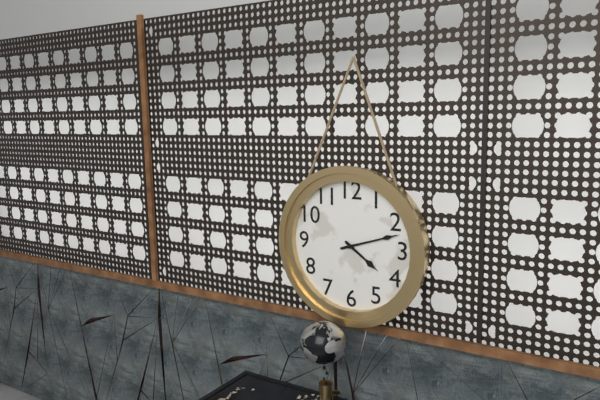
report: 4h12
